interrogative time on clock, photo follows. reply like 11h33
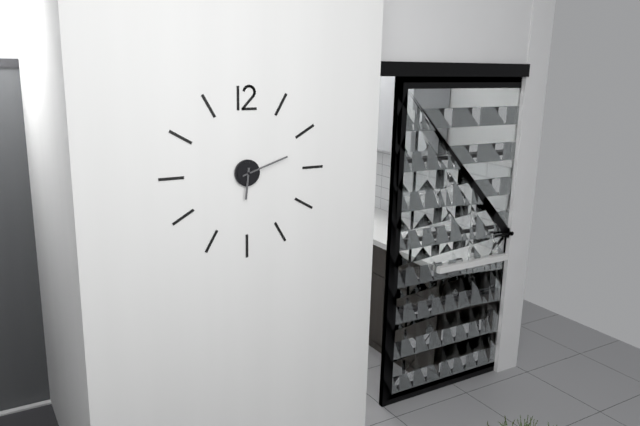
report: 6h12
